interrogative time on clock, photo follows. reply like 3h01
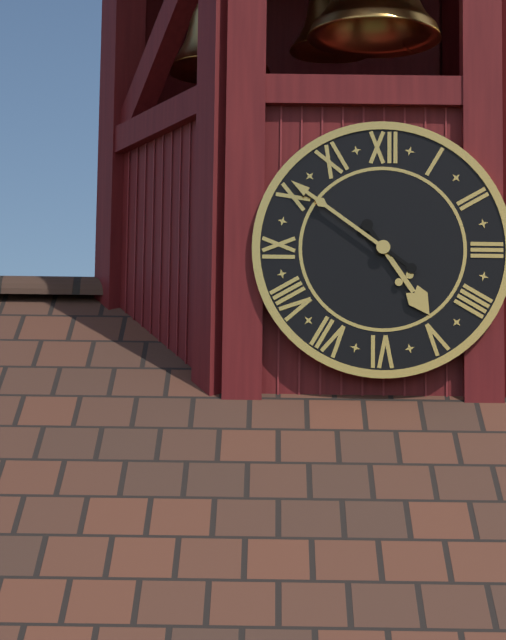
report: 4h51
